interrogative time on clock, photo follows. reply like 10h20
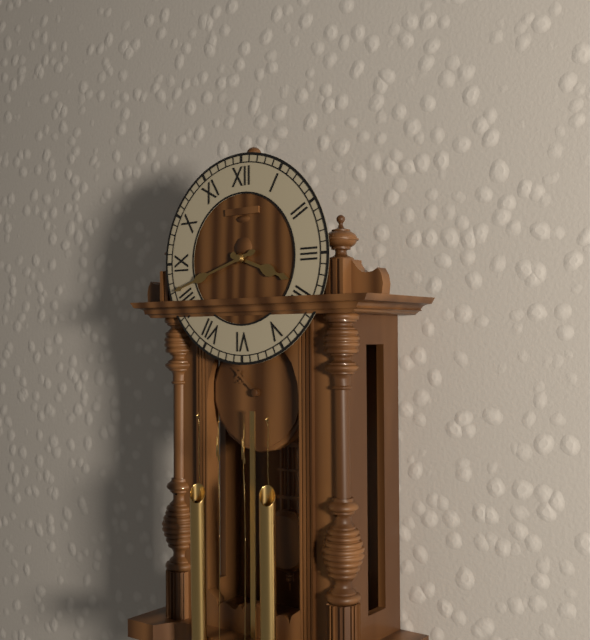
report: 3h42
